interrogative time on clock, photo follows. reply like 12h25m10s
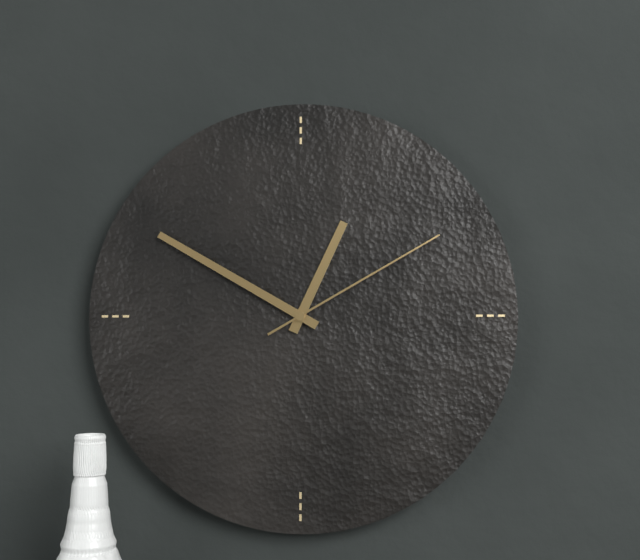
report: 12h50m10s
